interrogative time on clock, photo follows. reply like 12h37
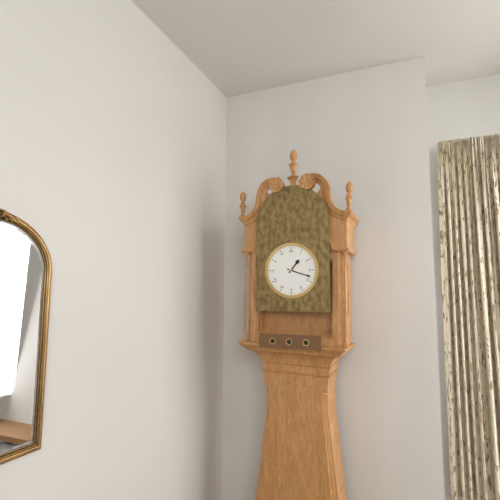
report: 1h18
